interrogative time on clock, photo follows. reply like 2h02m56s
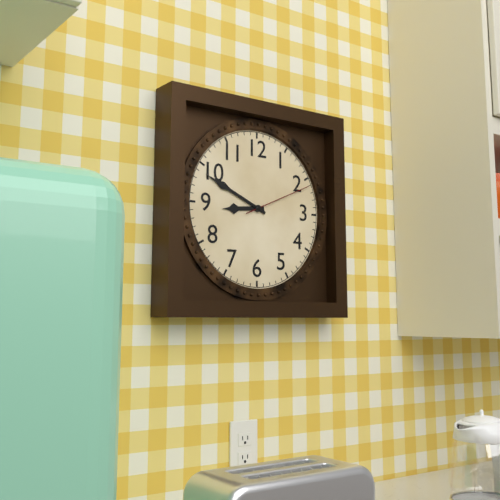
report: 8h49m11s
